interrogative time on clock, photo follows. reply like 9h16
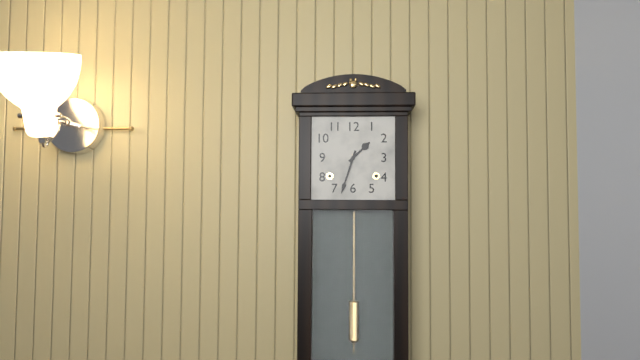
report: 1h33
